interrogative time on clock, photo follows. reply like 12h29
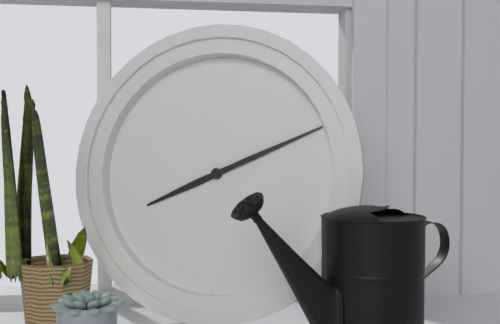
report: 8h11
